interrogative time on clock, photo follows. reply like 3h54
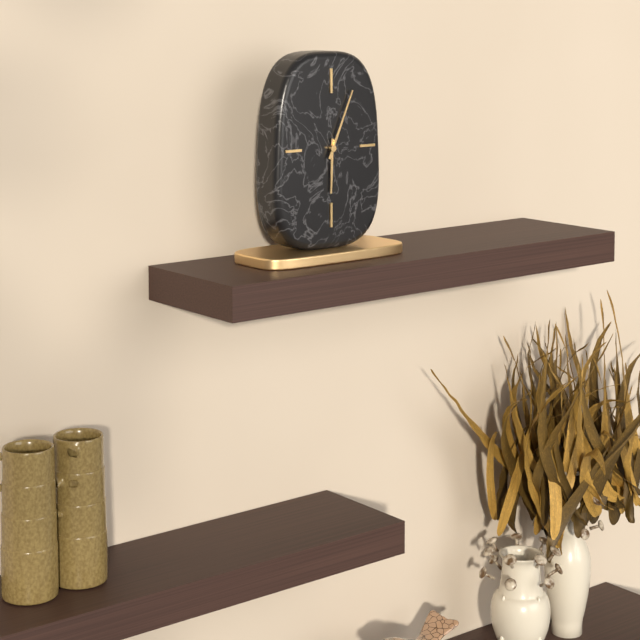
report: 6h04
